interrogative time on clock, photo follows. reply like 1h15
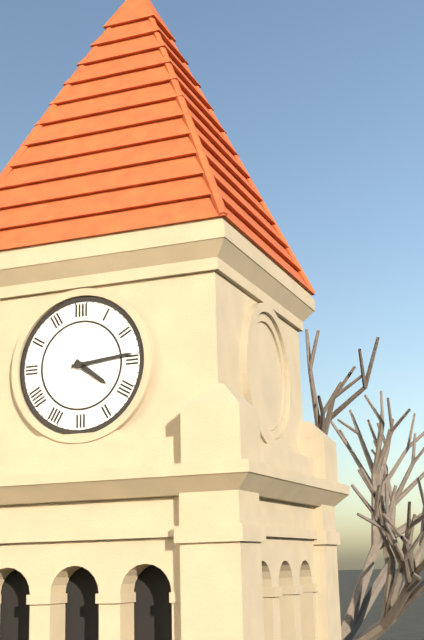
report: 4h14
